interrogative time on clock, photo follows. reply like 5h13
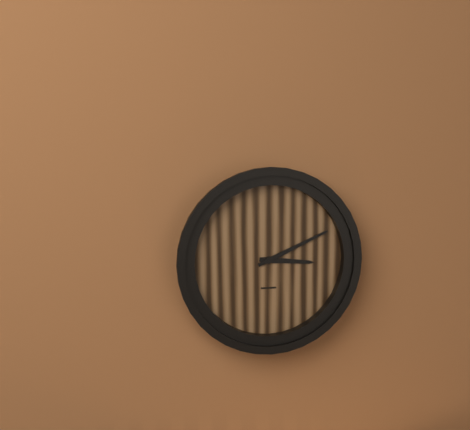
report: 3h11
